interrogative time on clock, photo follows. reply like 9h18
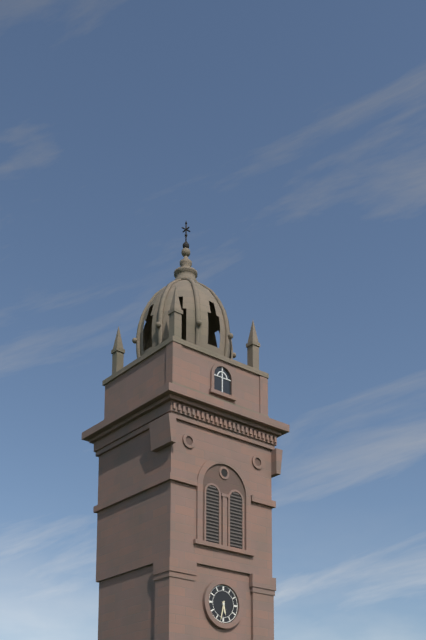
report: 5h32
